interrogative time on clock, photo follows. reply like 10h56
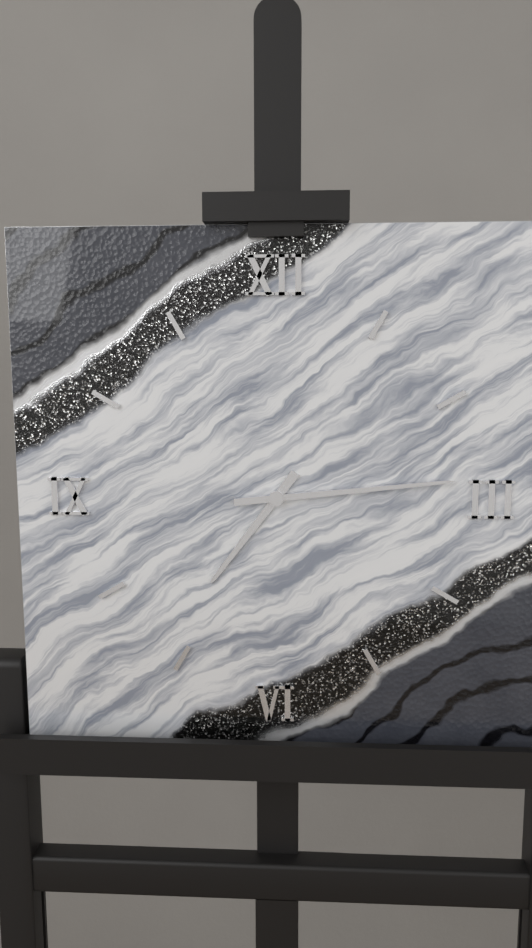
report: 7h14
